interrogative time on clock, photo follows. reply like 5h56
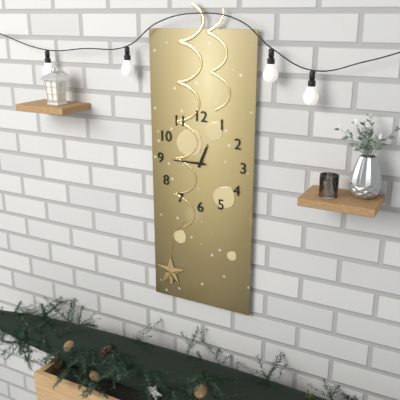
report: 12h45
